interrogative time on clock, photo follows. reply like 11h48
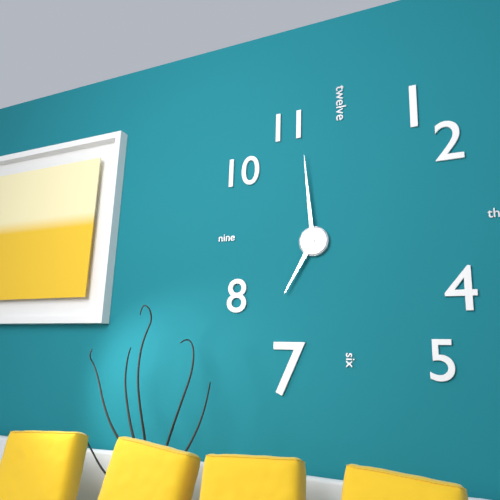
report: 6h59
